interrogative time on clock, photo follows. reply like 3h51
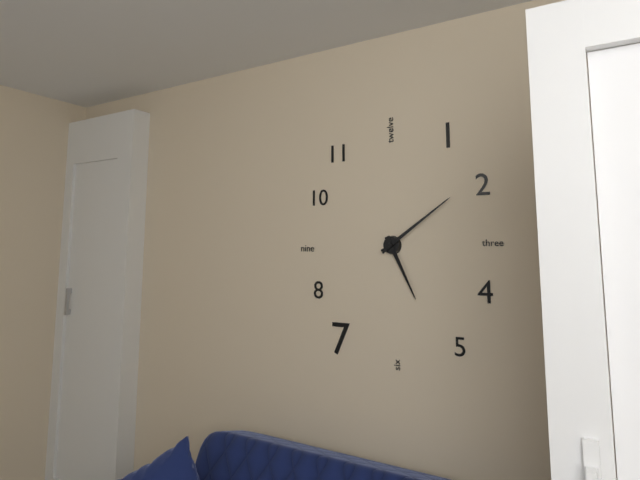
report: 5h09
